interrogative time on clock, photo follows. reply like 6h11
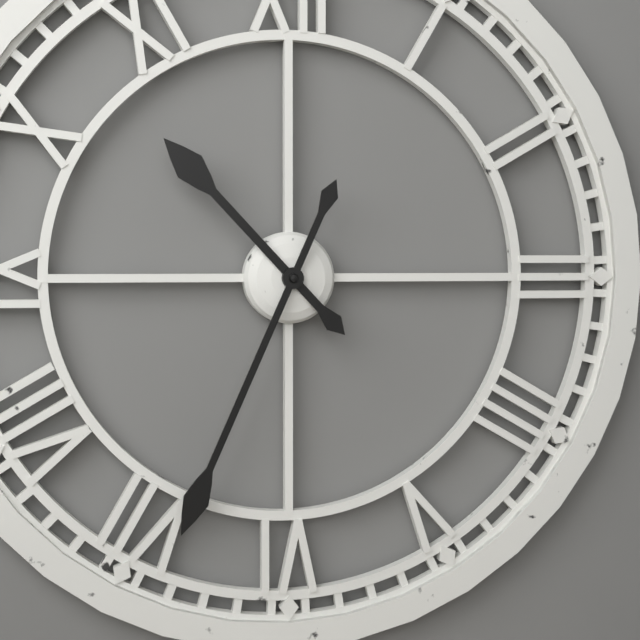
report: 10h34
